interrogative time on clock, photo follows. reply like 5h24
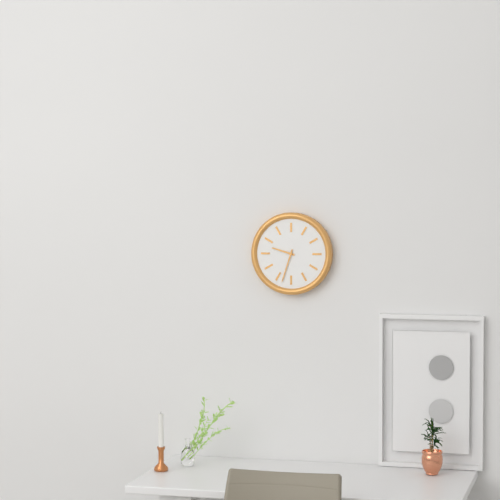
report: 9h33
